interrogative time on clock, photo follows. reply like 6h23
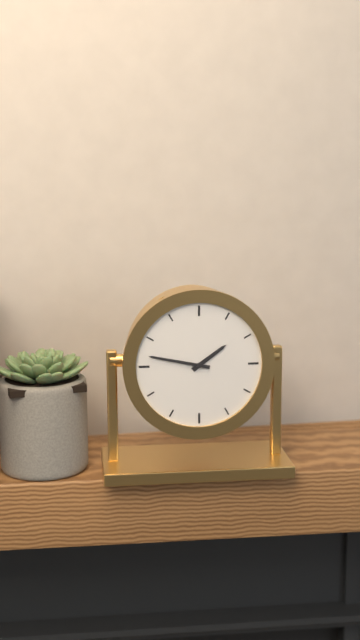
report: 1h47
